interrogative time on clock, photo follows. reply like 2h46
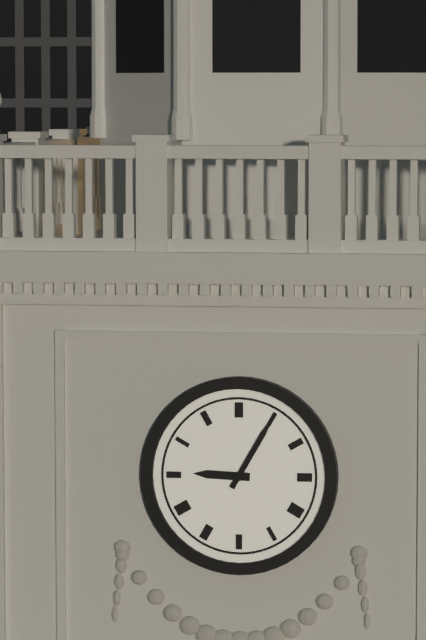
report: 9h05
